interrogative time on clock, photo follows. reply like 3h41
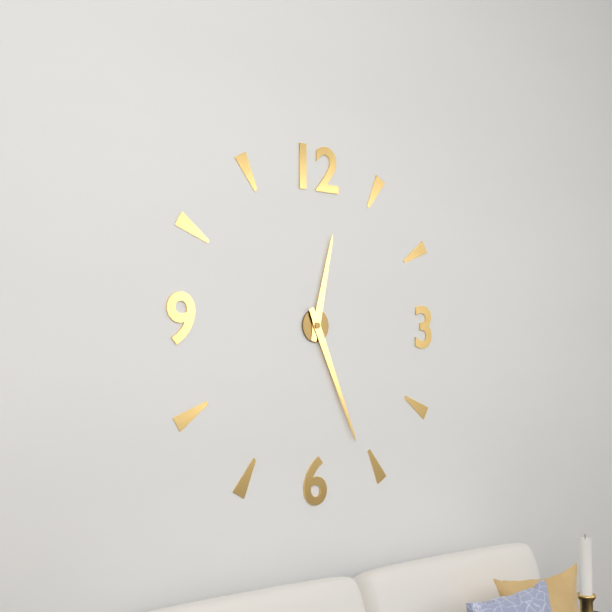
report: 12h26
